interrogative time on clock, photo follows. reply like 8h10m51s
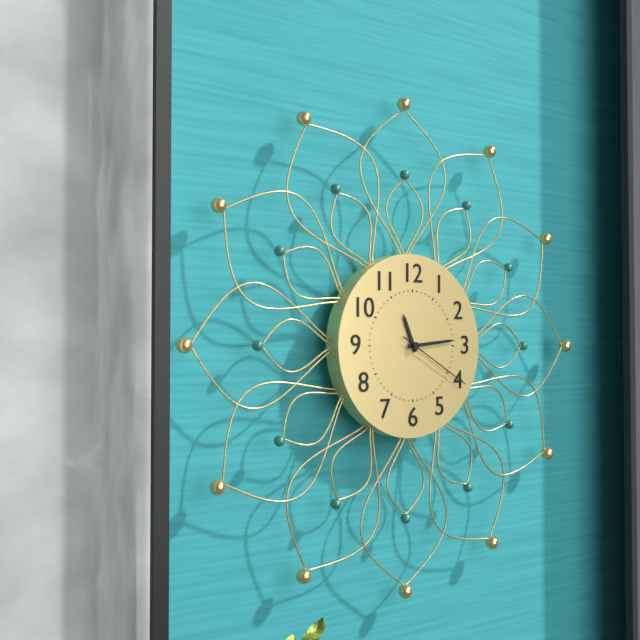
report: 11h14m20s
